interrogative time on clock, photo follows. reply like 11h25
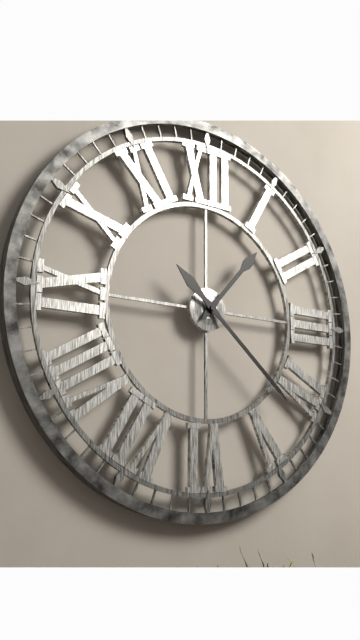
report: 1h22
